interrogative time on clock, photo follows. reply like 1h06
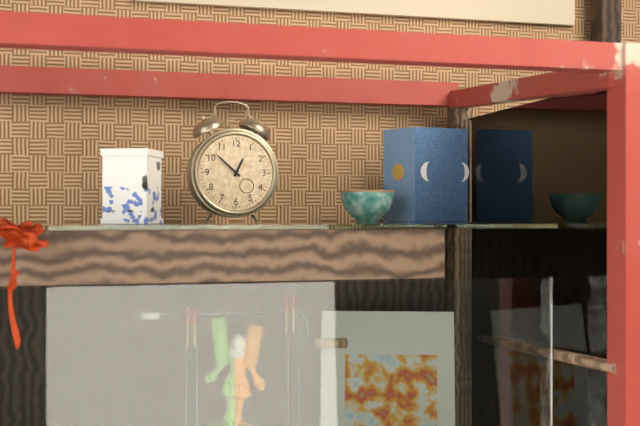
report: 12h52
